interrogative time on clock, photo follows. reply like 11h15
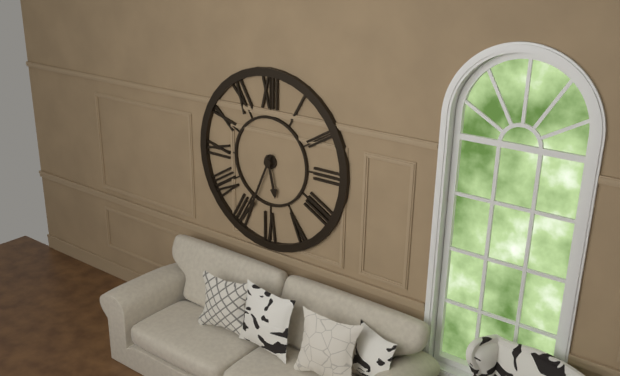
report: 5h34
